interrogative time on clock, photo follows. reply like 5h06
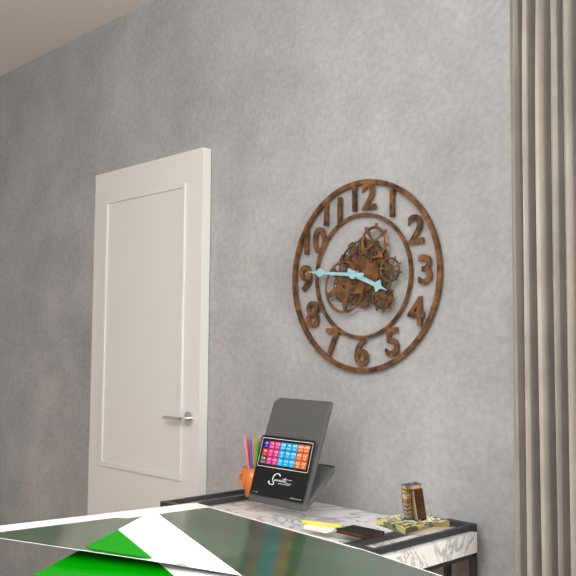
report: 3h46
